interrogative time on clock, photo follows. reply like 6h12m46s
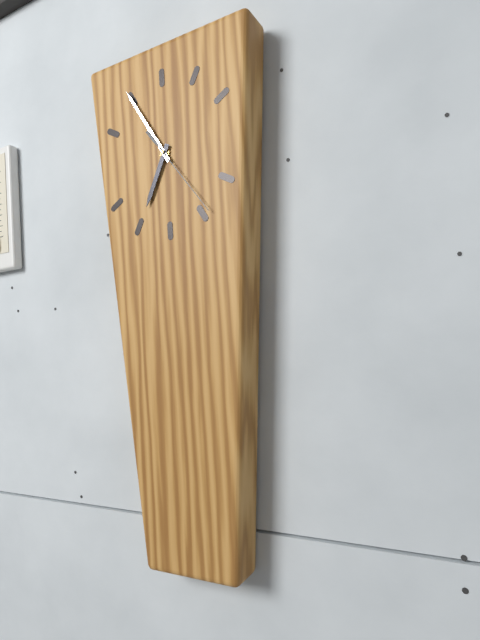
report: 6h55m24s
